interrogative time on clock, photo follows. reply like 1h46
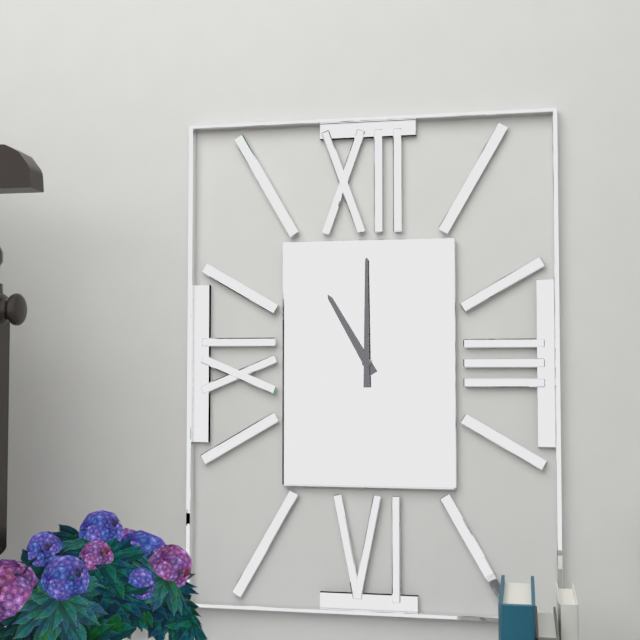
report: 11h00
